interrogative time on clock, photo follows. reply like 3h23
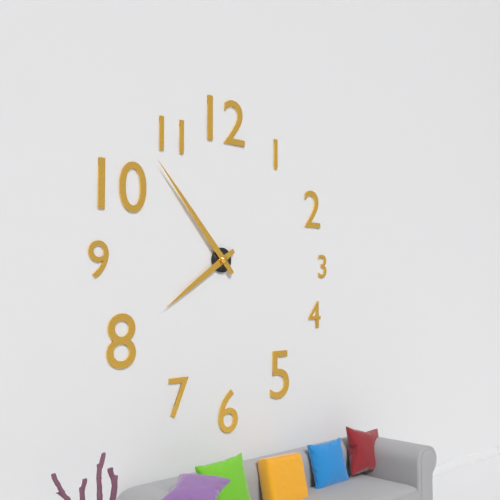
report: 7h53
